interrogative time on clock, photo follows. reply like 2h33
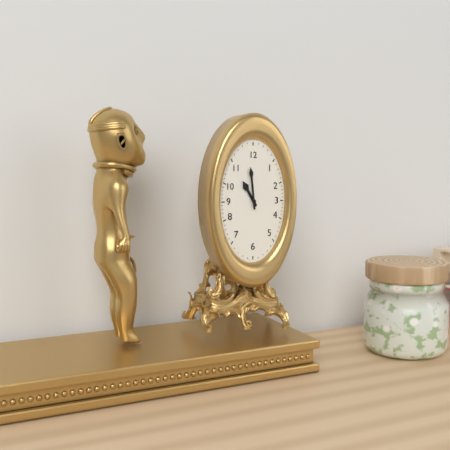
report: 10h59
